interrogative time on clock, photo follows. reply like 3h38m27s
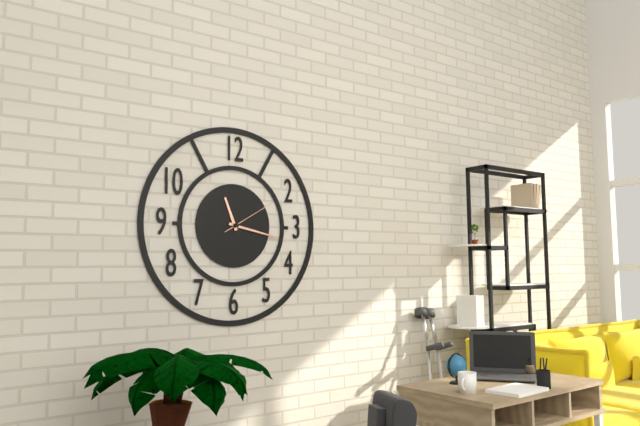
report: 11h17m10s
